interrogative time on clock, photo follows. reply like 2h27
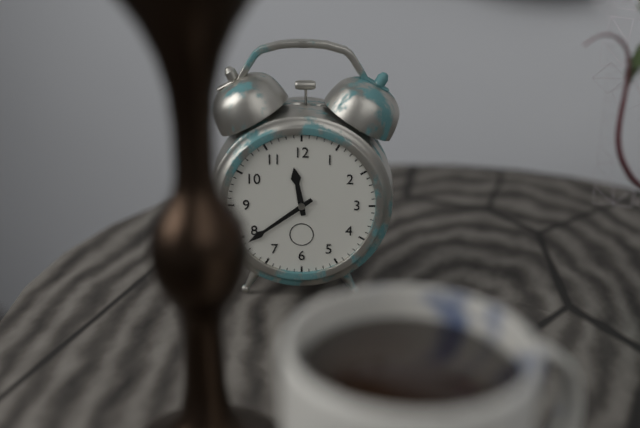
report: 11h39
